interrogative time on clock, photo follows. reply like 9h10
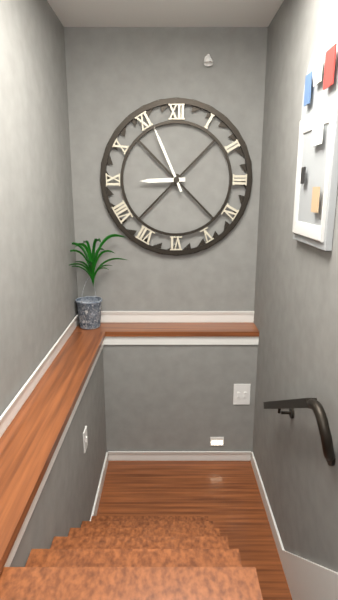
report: 8h56
